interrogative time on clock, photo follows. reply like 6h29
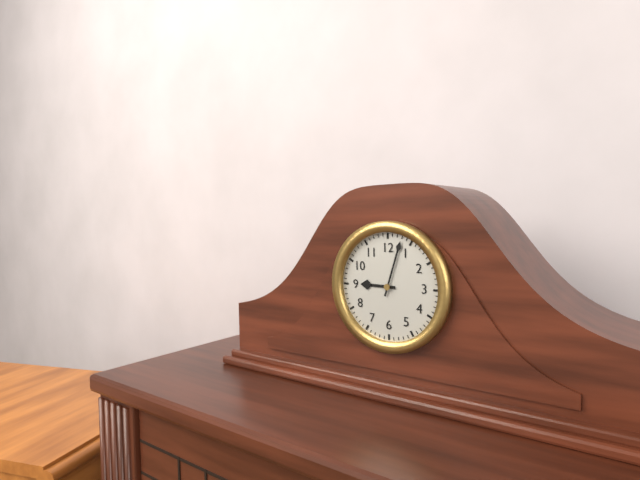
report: 9h03
